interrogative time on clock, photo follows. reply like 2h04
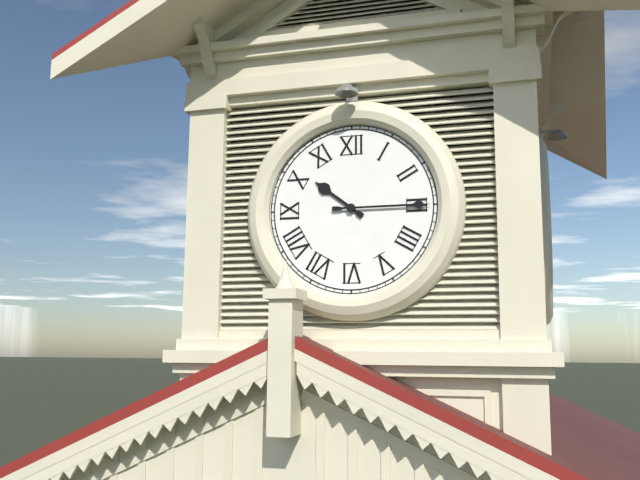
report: 10h15
